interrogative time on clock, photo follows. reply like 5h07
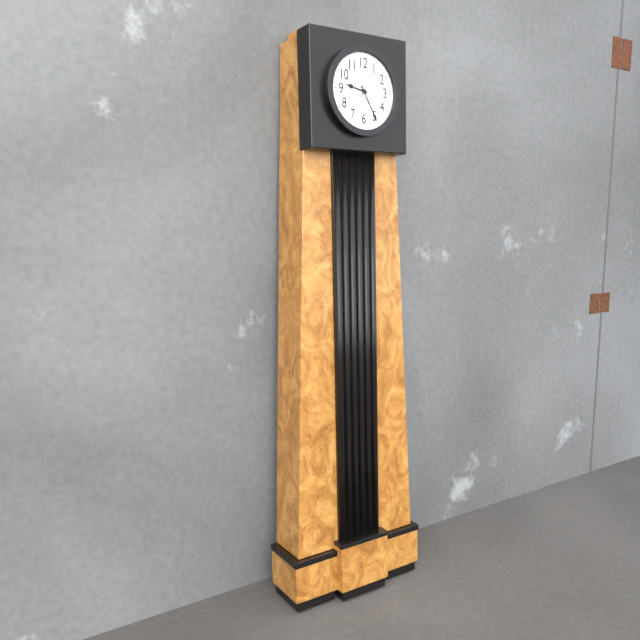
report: 9h25
